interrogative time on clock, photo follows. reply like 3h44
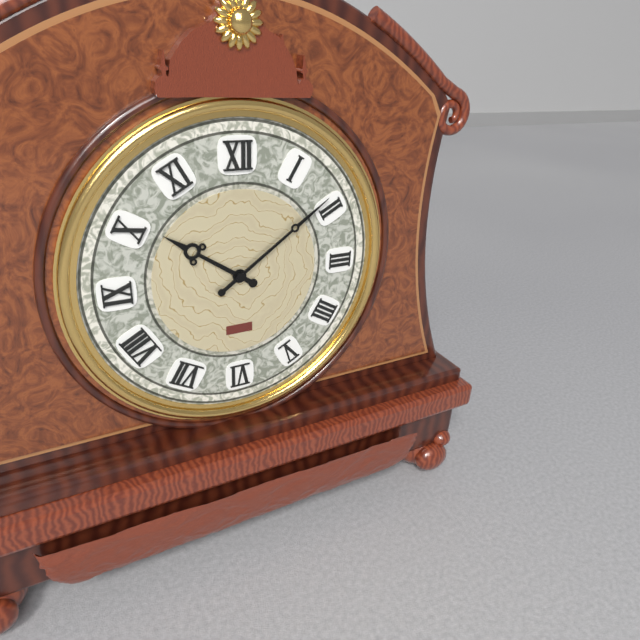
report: 10h09
